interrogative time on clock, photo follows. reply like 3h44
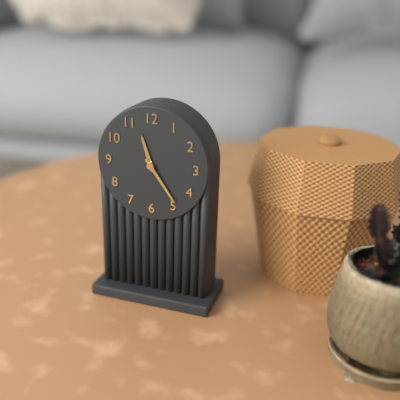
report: 11h24
